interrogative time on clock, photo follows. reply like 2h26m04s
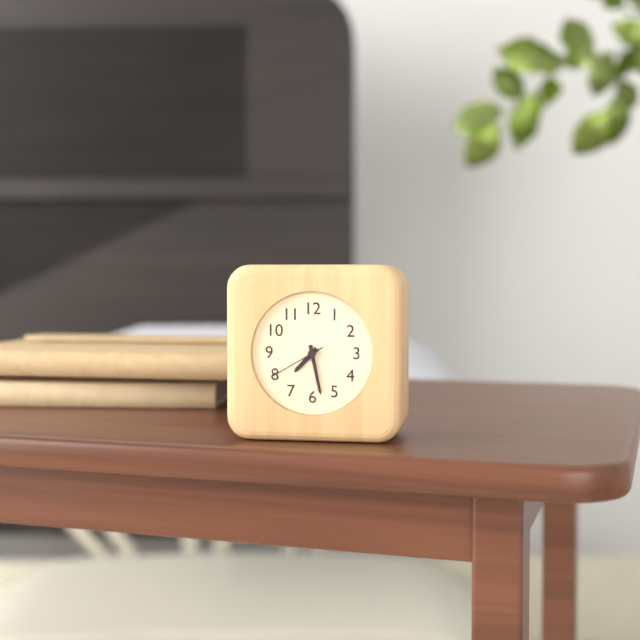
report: 7h28m40s
